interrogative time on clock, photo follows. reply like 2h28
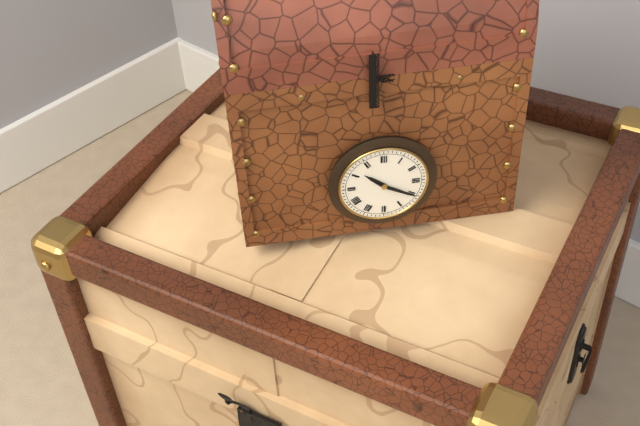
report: 10h20
